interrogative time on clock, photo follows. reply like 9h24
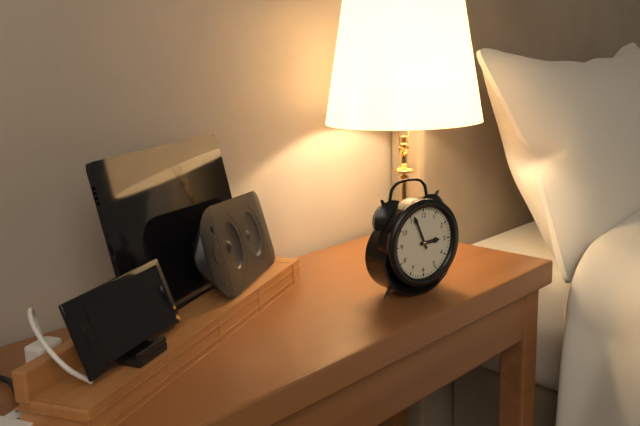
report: 2h56
